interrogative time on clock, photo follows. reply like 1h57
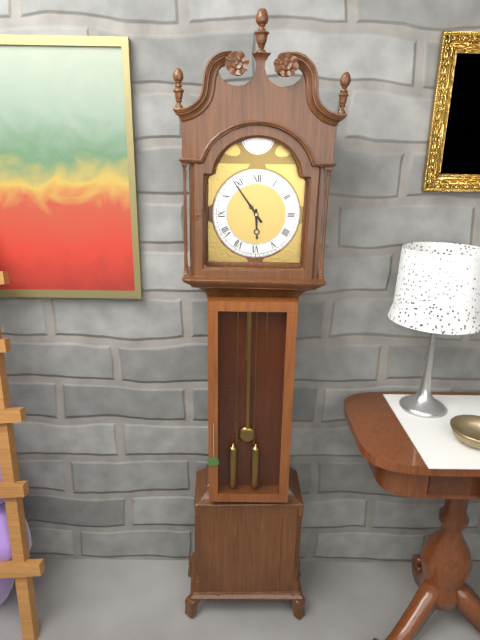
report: 5h54
